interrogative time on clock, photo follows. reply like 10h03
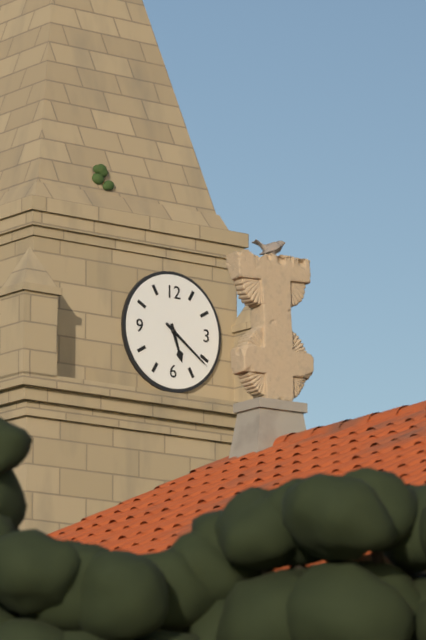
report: 5h21
